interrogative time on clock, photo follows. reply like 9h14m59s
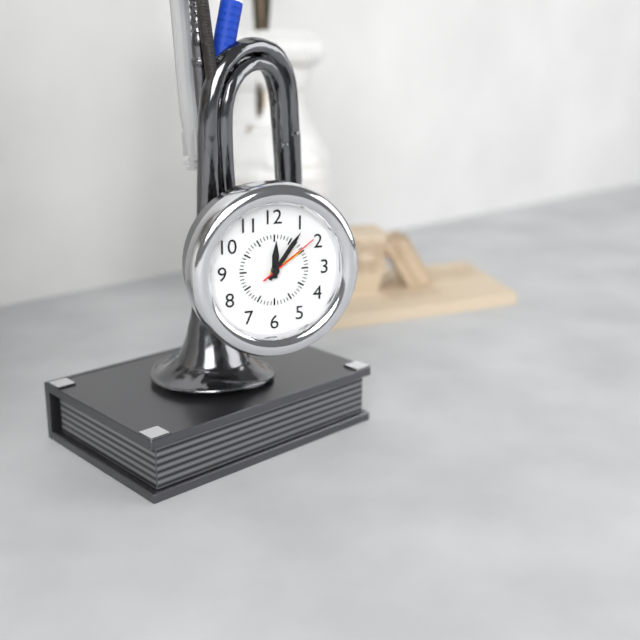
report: 12h06m09s
